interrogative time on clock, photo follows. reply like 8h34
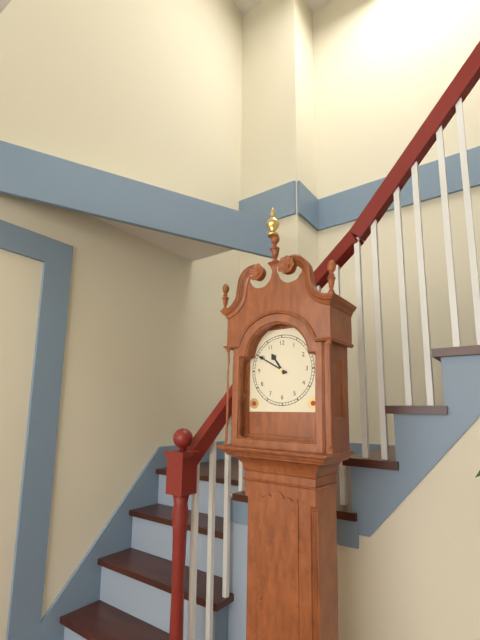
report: 10h50
